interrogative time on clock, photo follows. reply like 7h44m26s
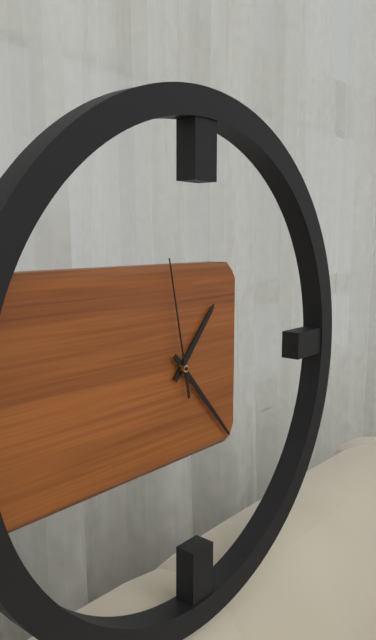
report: 1h23m58s
